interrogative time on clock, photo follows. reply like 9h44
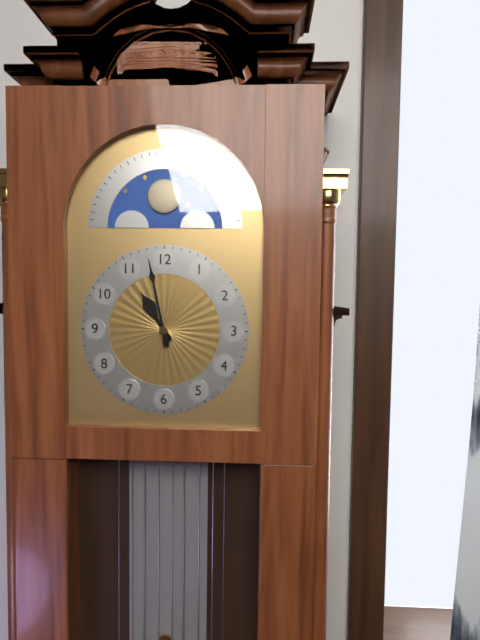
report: 10h58
